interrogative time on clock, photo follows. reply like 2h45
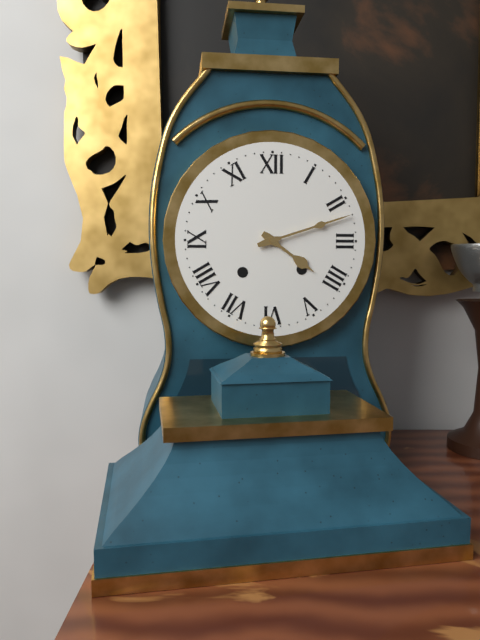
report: 4h12
